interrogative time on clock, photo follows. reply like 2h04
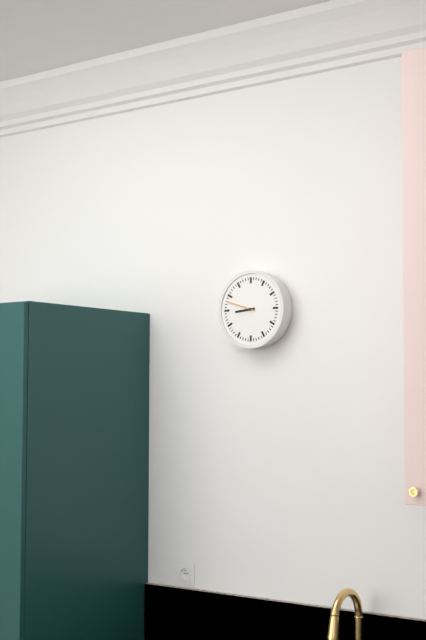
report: 8h48
